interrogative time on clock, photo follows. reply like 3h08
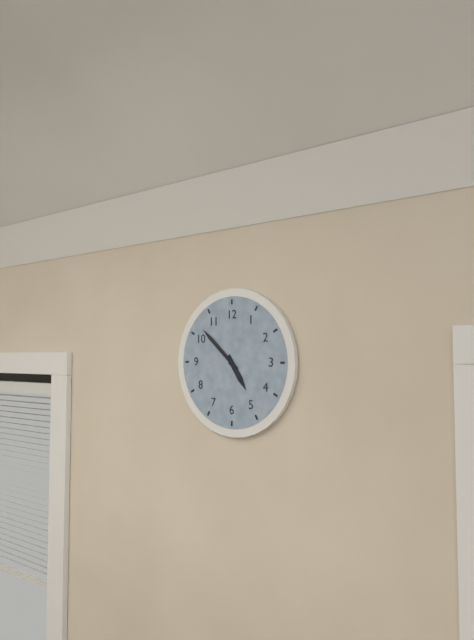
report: 4h52
